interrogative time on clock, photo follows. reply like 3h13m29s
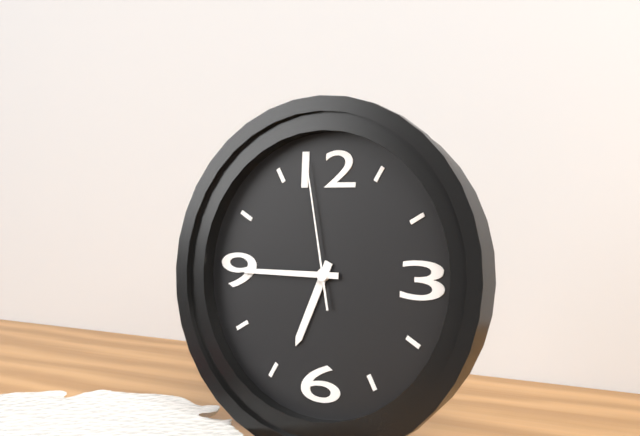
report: 6h45m58s
